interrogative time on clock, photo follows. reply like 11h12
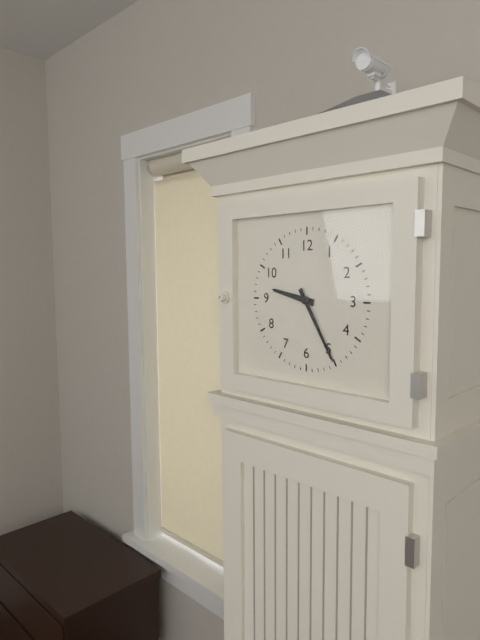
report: 9h25
